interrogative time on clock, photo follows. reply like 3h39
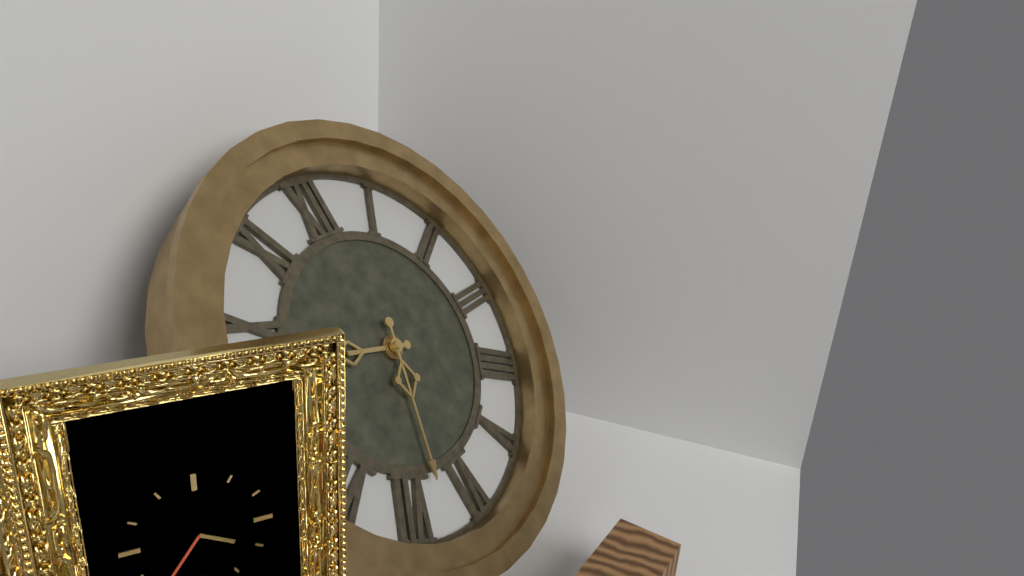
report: 9h33
